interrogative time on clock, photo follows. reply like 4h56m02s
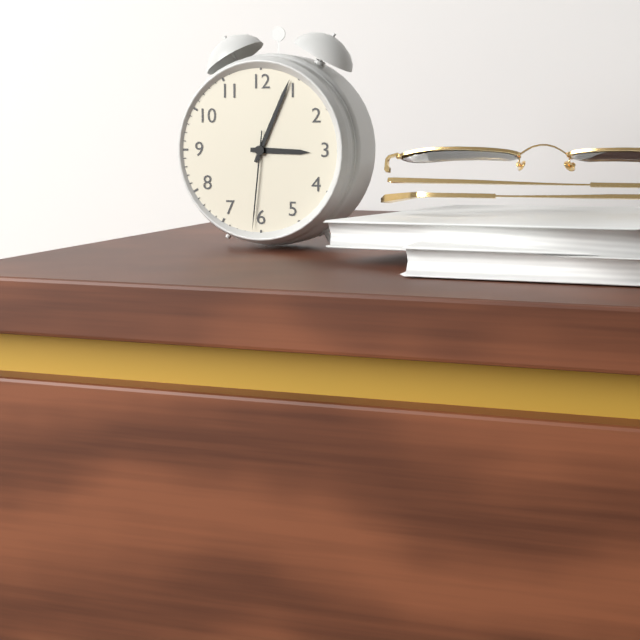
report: 3h04m31s
